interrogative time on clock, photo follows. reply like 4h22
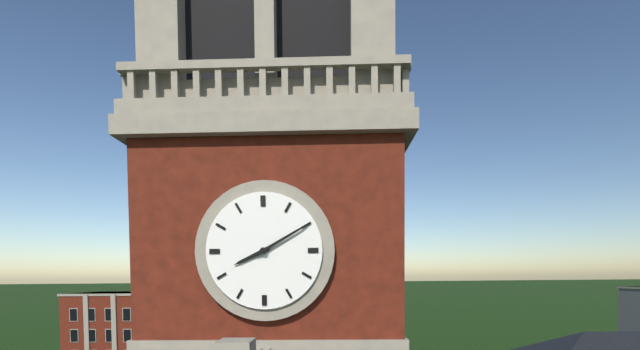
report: 8h10
